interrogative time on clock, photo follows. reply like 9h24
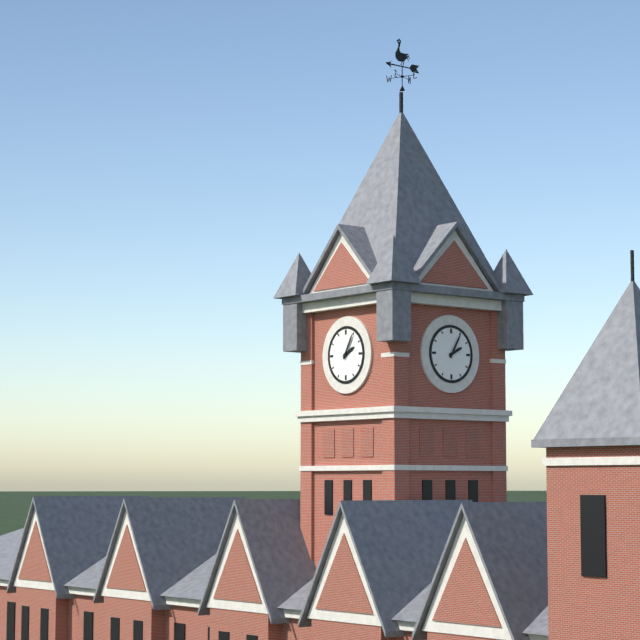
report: 2h05
